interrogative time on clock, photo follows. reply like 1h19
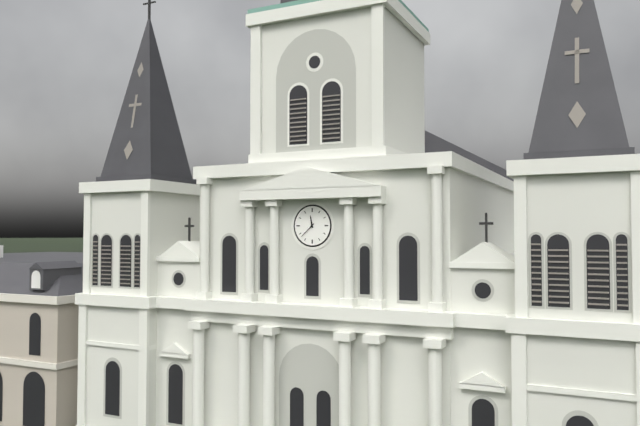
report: 11h38
